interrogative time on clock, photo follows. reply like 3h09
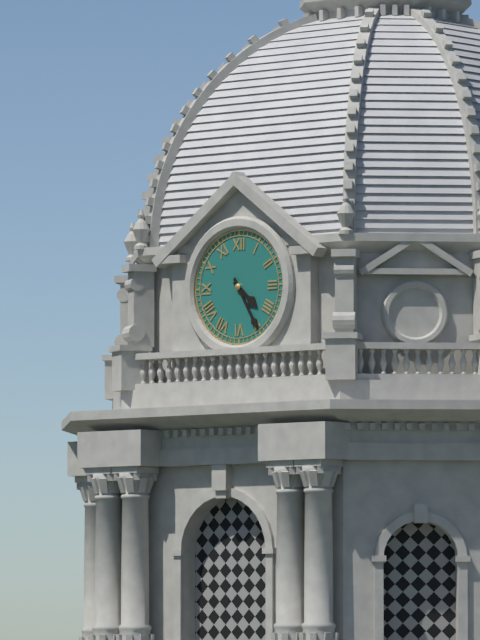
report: 4h25
